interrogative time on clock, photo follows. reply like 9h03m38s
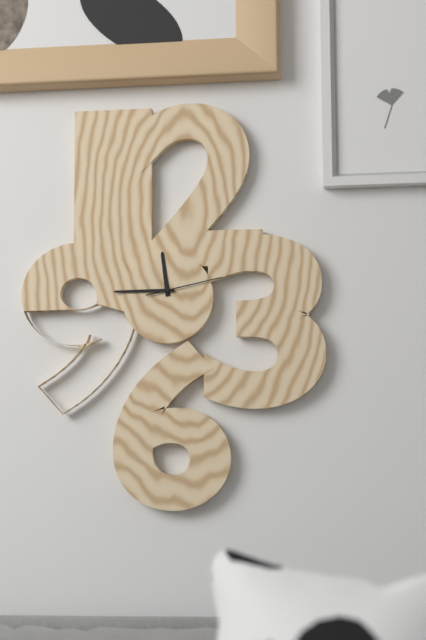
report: 11h45m13s
